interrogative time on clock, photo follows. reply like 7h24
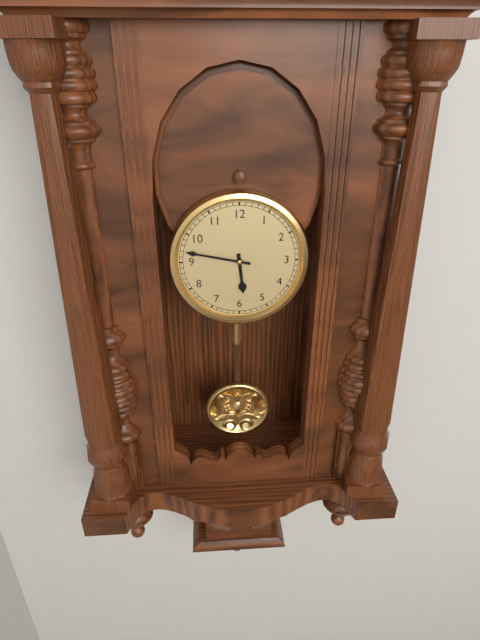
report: 5h47
